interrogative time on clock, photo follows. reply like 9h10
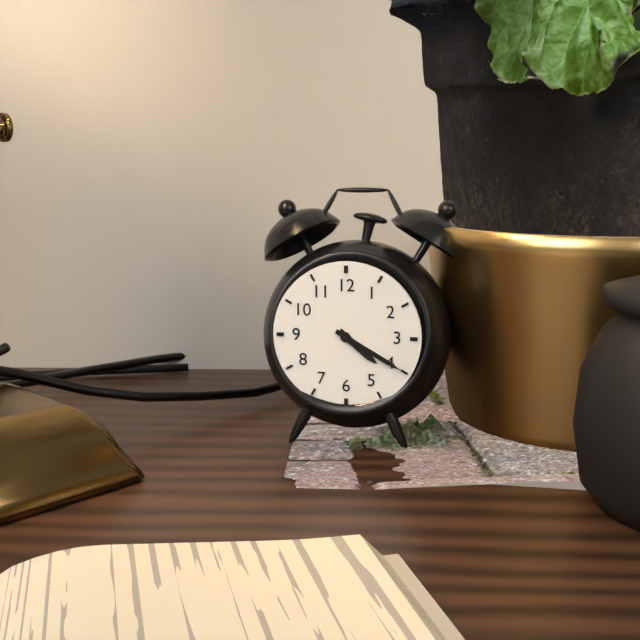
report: 4h20
